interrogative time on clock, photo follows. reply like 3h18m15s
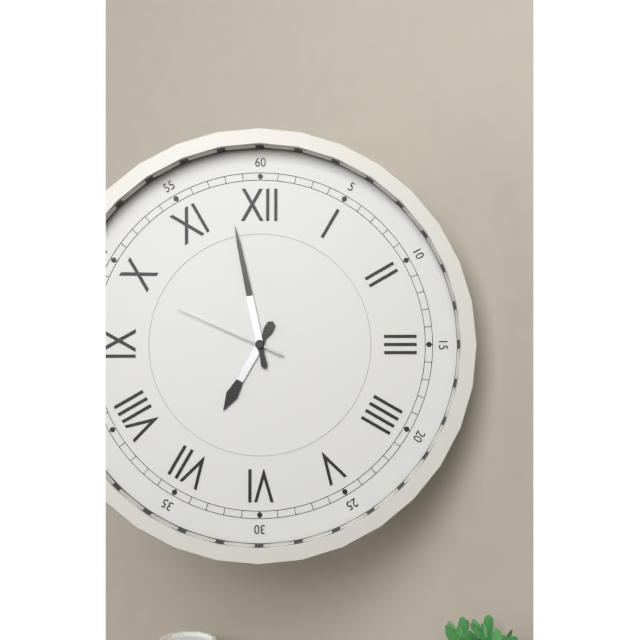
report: 6h58m49s
